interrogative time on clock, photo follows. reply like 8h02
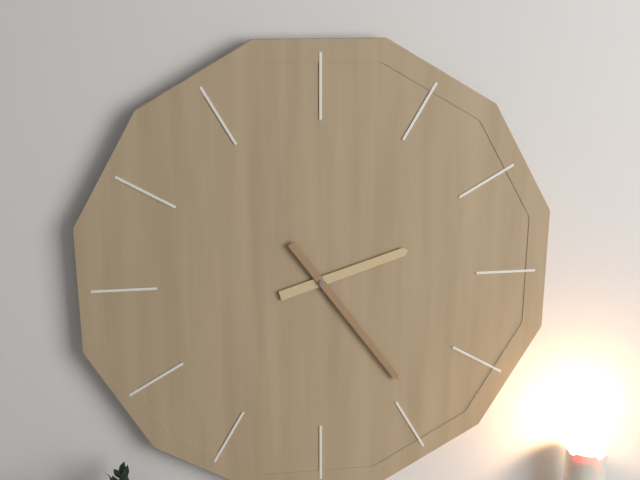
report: 2h24
